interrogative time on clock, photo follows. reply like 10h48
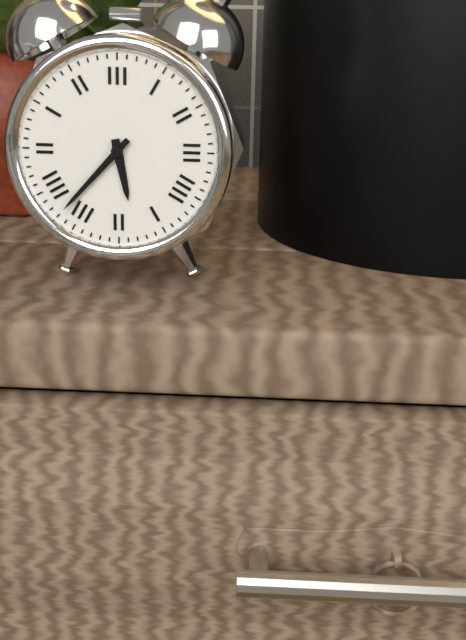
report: 5h37
